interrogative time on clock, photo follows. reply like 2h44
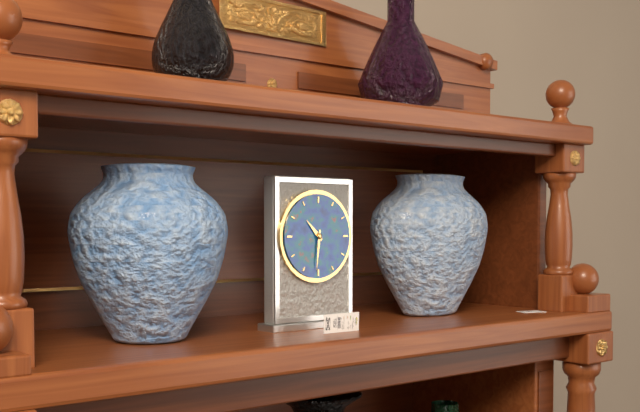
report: 10h31
